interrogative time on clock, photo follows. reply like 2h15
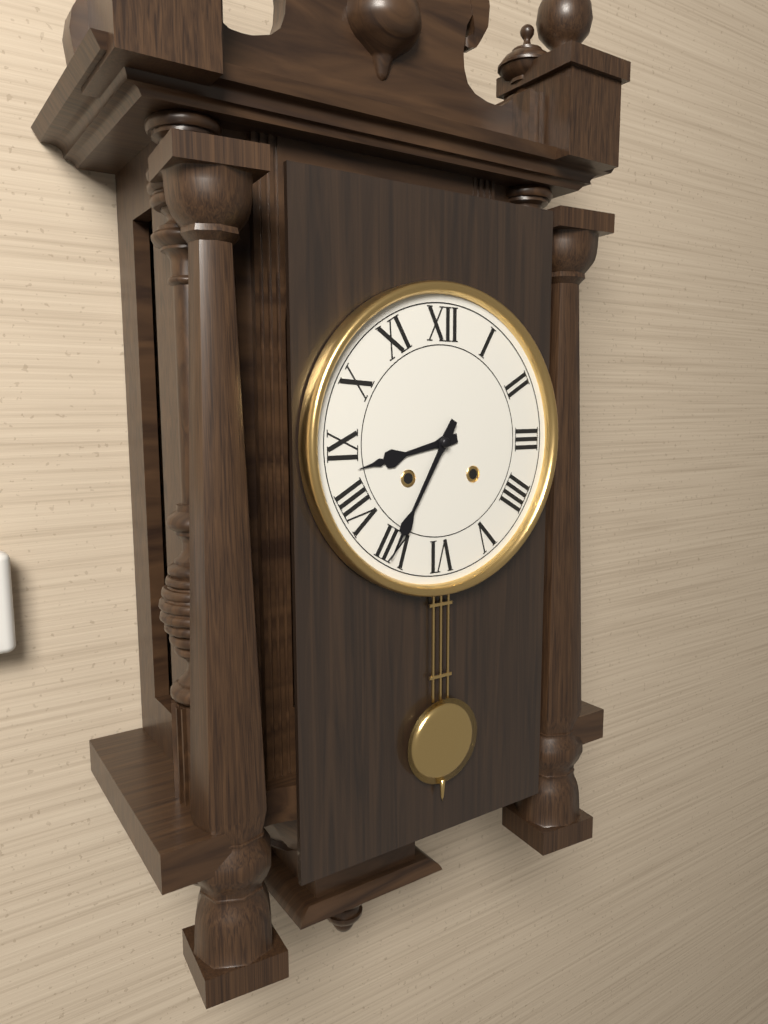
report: 8h35
